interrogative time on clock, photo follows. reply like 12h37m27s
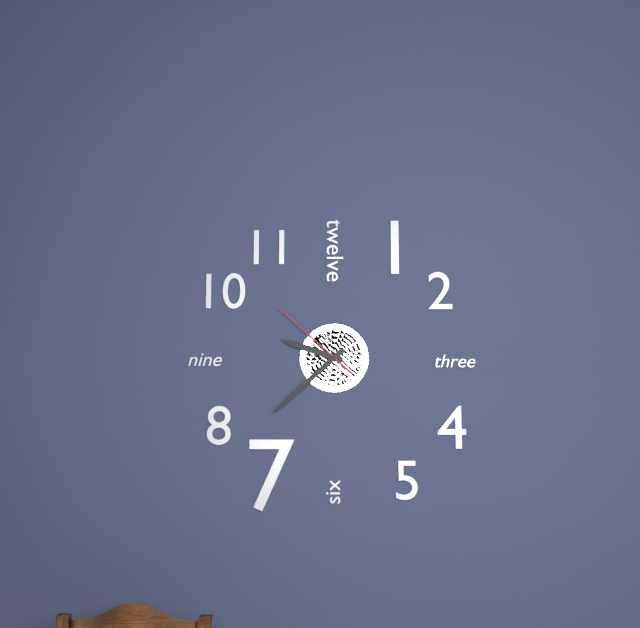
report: 9h38m52s
